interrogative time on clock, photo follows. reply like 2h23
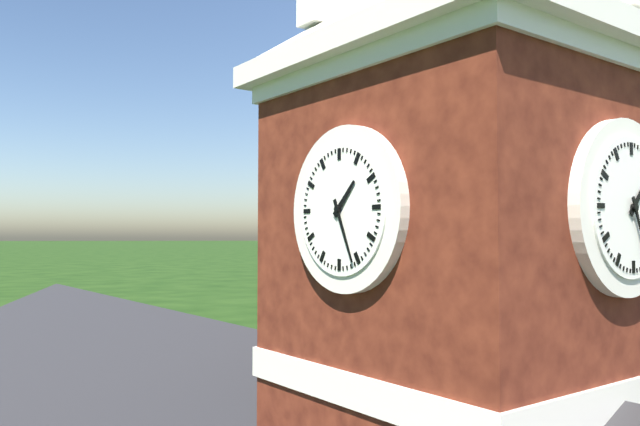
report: 1h26
